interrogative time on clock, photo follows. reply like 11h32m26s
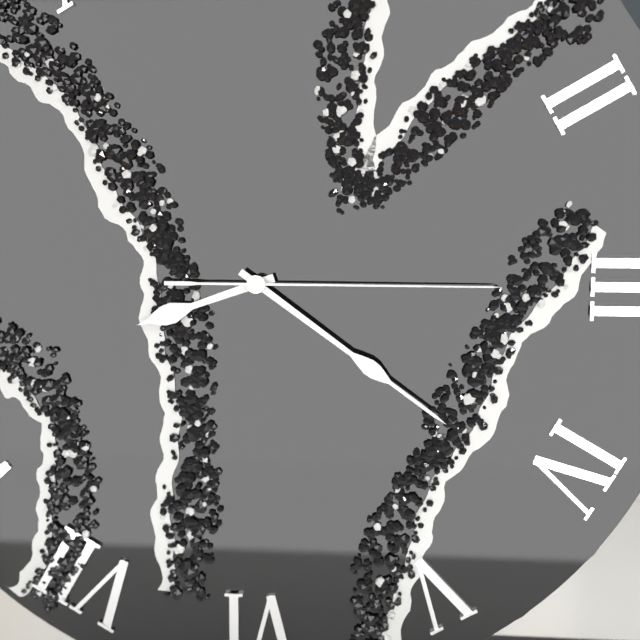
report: 8h21m15s
